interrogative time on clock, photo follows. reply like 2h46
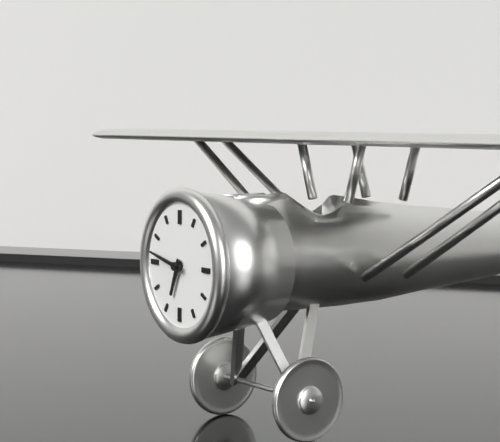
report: 6h47
